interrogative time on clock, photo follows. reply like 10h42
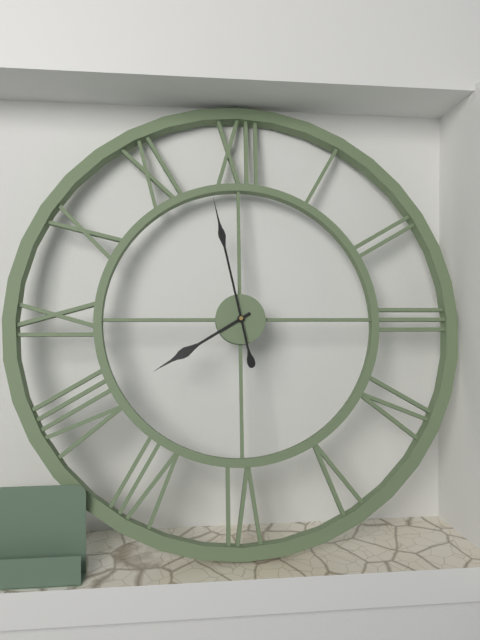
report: 7h58
